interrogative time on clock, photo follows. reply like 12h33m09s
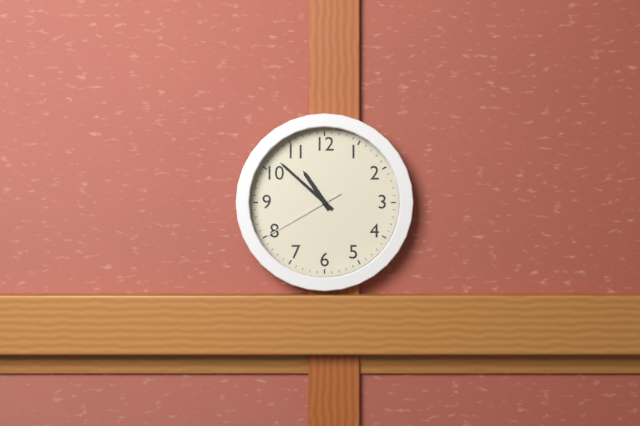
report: 10h52m40s
